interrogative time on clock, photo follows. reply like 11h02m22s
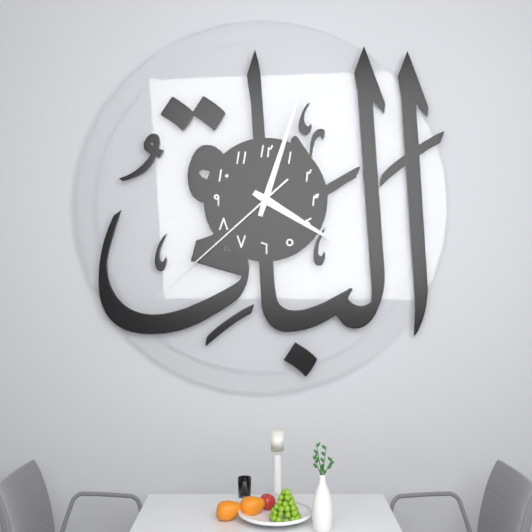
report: 4h03m38s
